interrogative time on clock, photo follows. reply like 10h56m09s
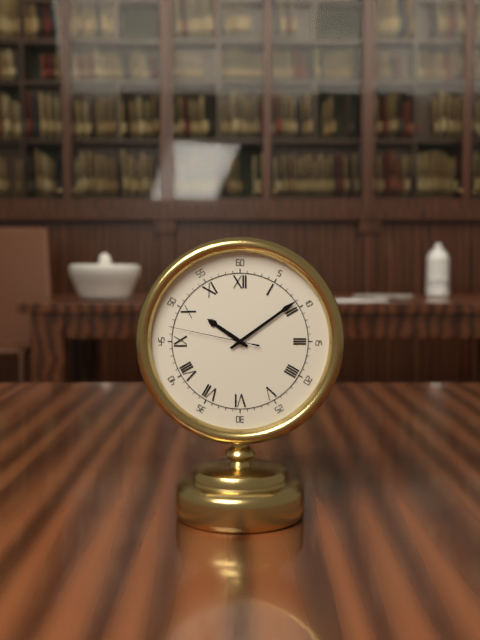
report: 10h09m47s
